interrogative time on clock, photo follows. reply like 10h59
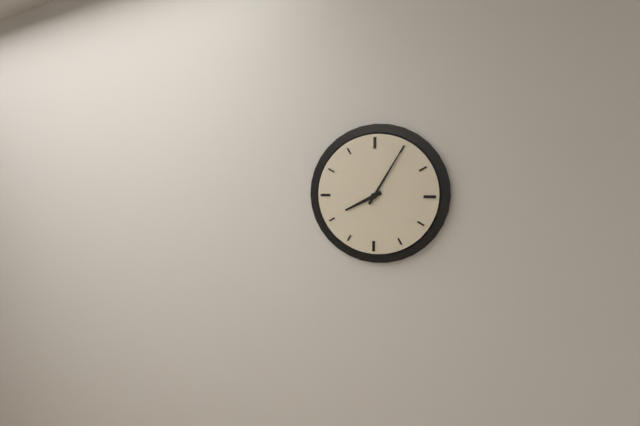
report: 8h05
